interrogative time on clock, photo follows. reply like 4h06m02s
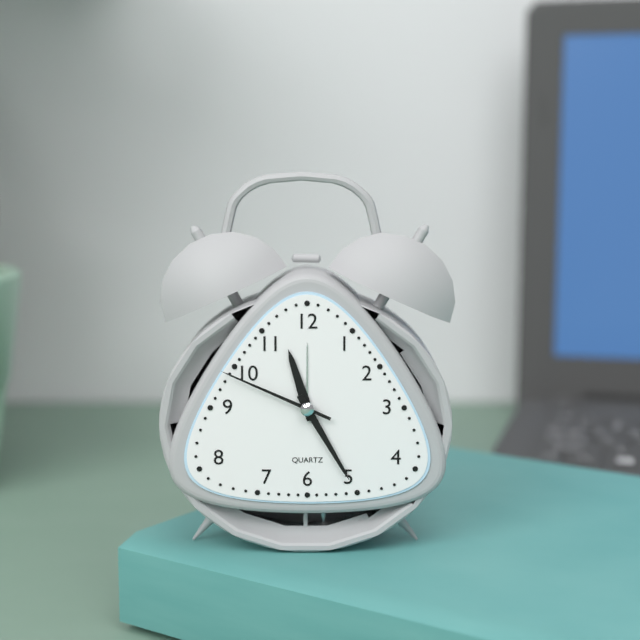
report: 11h25m49s
